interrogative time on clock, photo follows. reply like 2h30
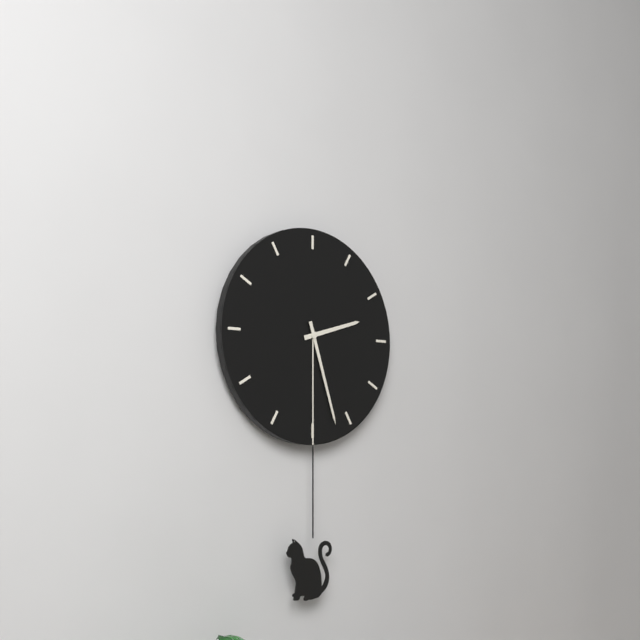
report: 2h27
